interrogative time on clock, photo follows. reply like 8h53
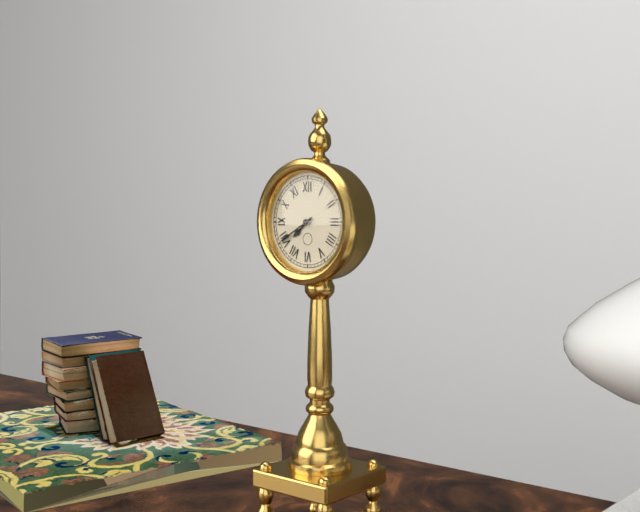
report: 7h40
